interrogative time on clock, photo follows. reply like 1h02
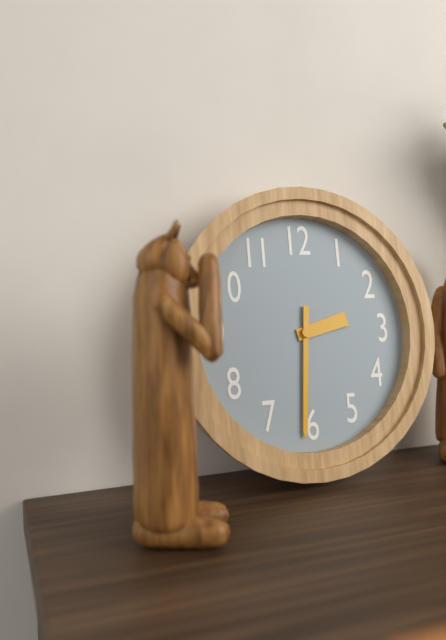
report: 2h31
